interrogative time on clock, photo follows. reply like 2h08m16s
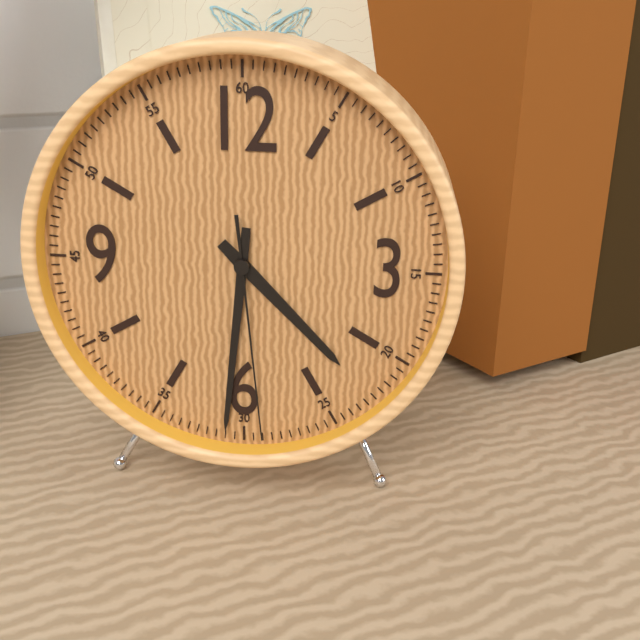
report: 4h31m29s
